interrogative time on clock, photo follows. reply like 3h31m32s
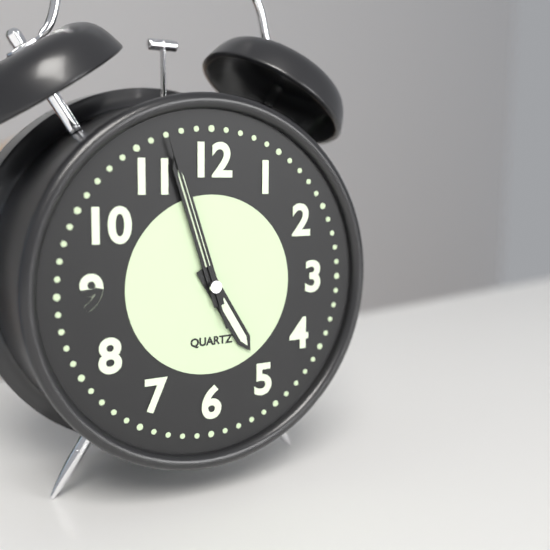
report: 4h57m57s
